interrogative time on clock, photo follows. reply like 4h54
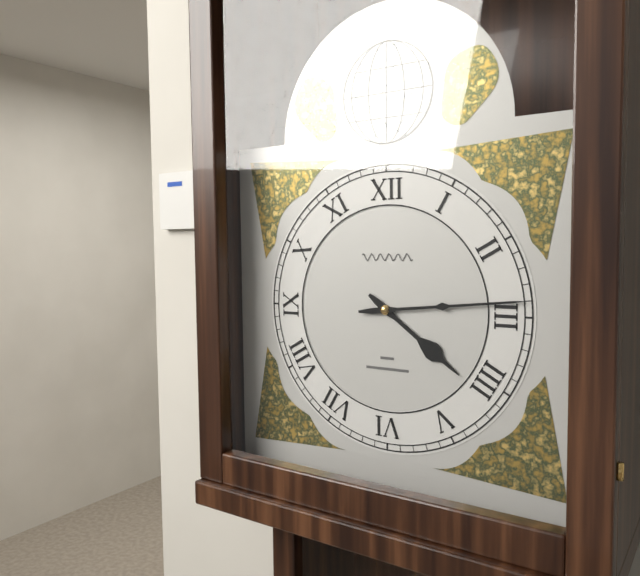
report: 4h14
